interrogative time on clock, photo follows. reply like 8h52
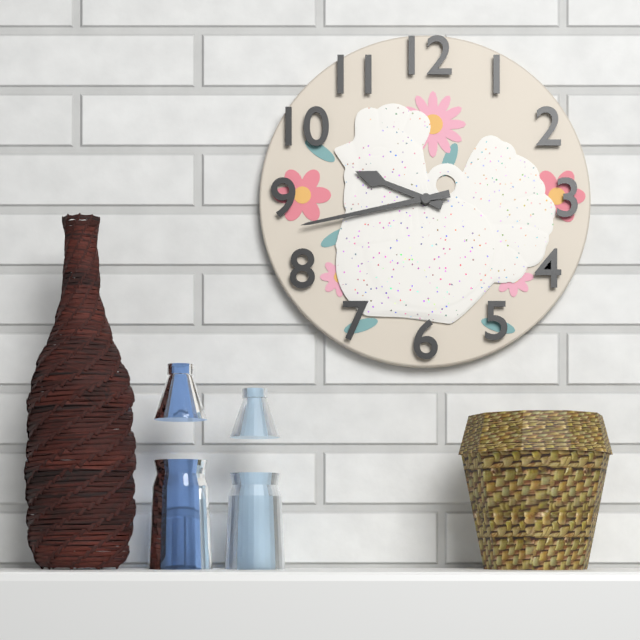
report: 9h43
